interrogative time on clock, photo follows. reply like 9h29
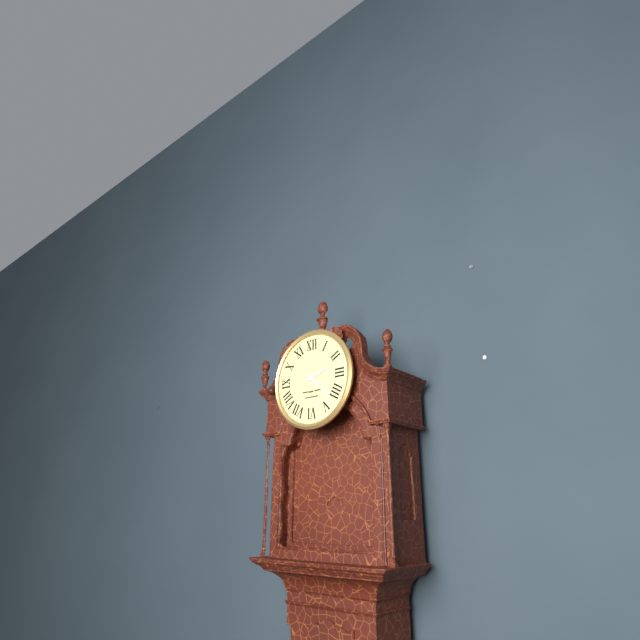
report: 2h22
